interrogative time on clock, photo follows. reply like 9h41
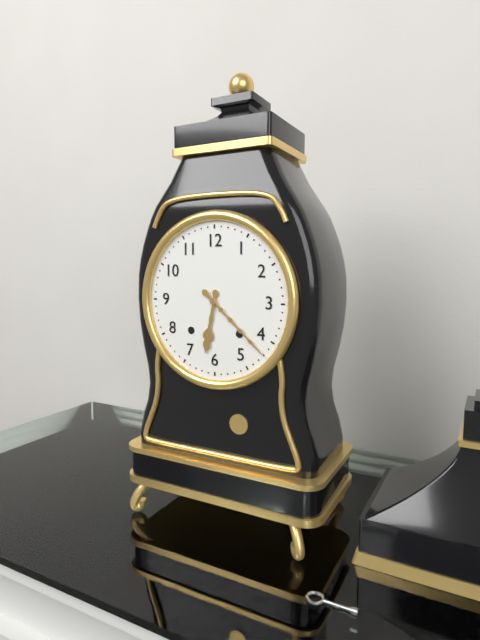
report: 6h22
